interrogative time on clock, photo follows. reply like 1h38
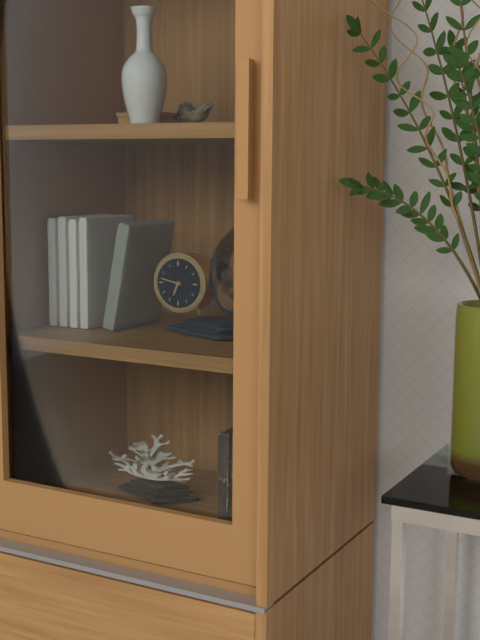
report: 6h47
